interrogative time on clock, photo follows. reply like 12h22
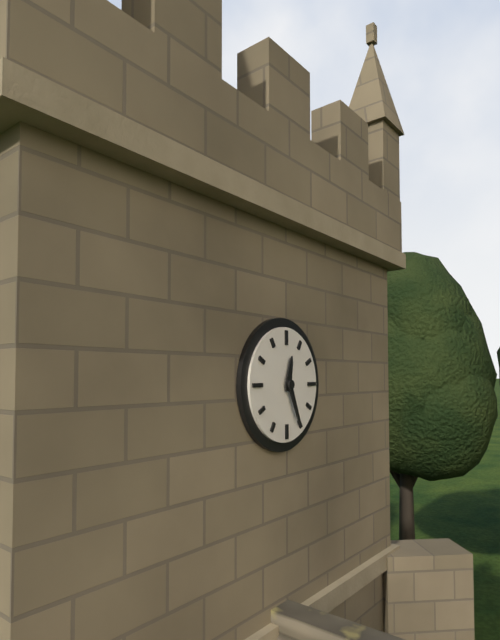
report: 12h26
